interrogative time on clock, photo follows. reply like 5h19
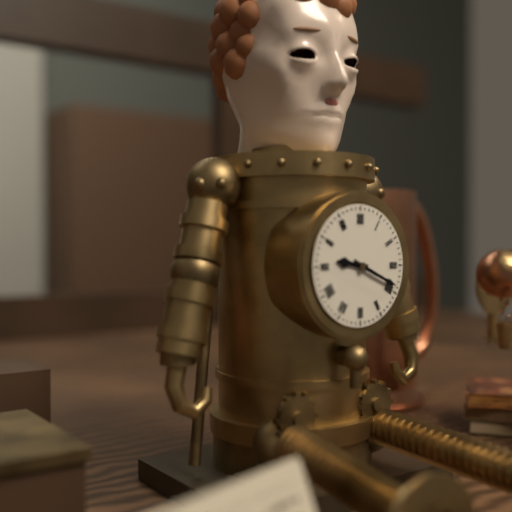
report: 9h19
